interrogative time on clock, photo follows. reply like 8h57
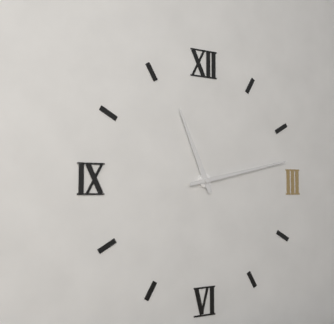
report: 11h13
